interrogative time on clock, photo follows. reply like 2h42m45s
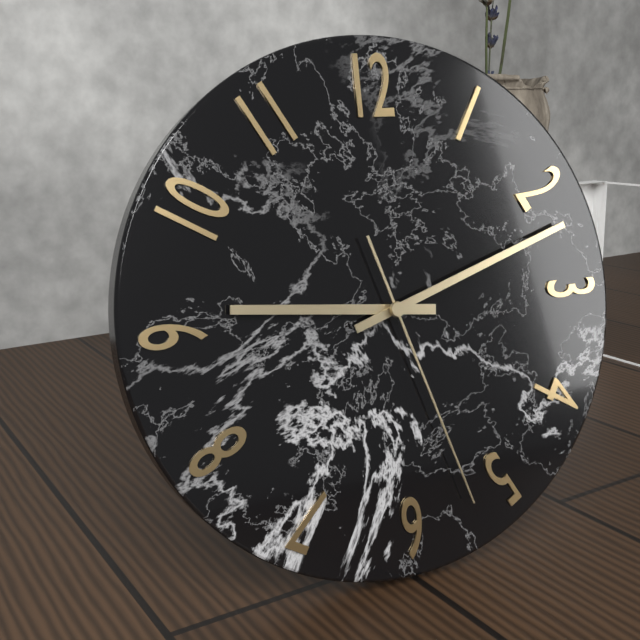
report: 9h12m27s
